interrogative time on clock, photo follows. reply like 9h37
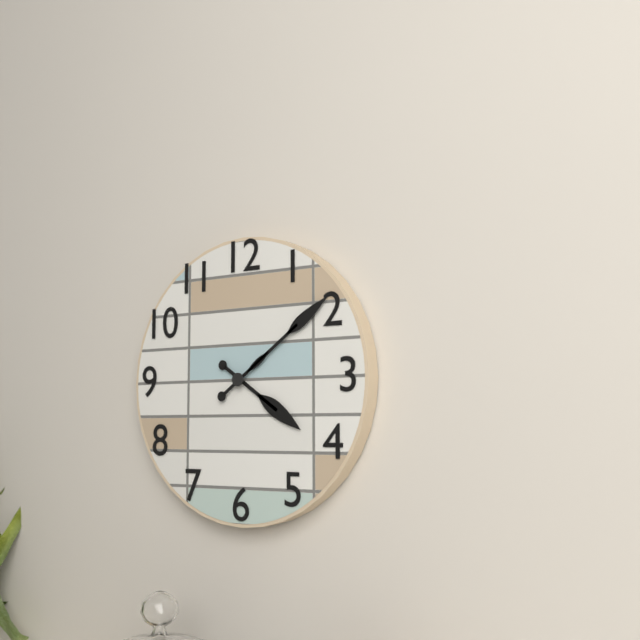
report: 4h09
